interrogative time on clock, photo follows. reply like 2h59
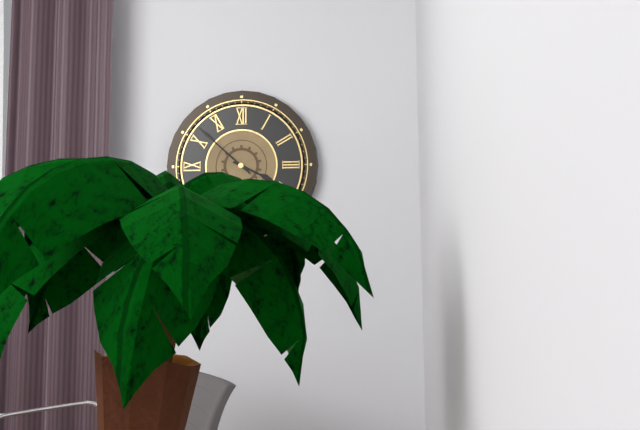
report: 3h52
